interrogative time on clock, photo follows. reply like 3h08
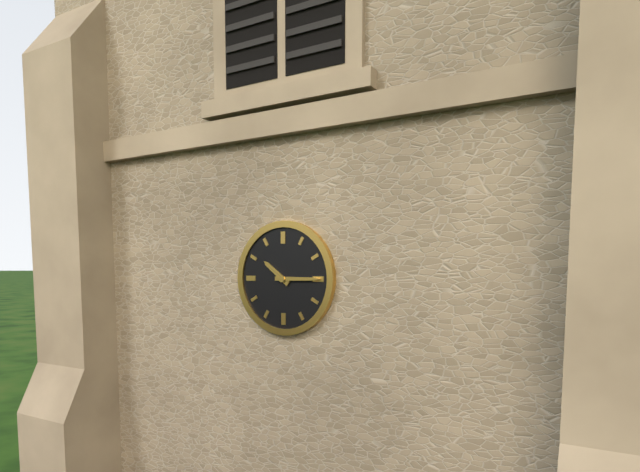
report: 10h15
